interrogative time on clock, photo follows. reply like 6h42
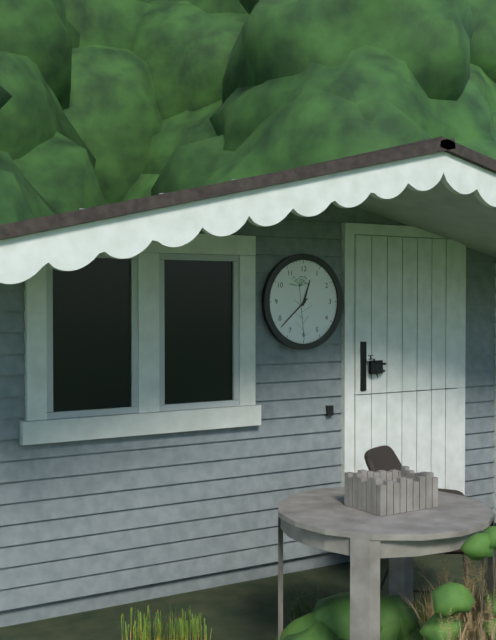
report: 12h38
